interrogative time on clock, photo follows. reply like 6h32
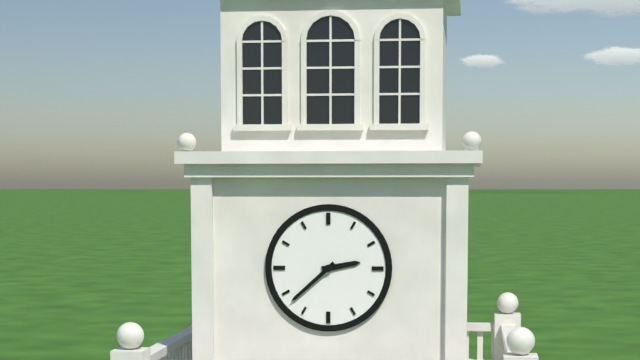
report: 2h38
